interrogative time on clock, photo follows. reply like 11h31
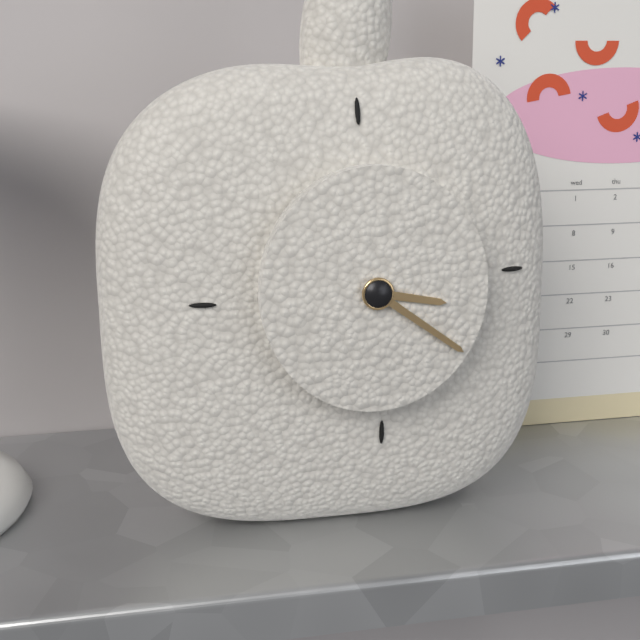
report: 3h21
